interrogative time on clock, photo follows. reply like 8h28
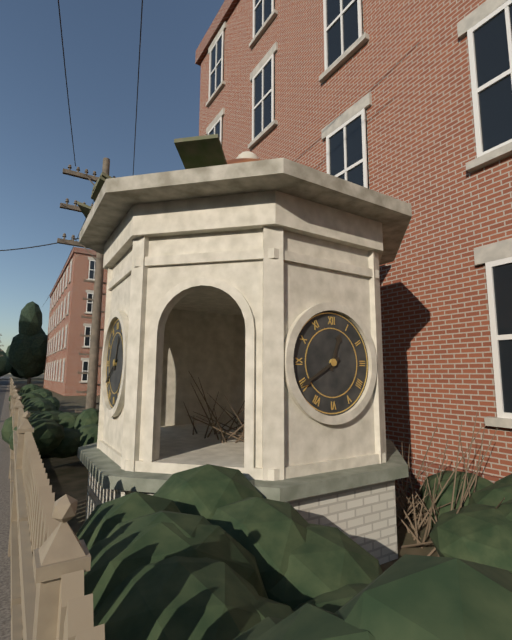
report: 12h40
